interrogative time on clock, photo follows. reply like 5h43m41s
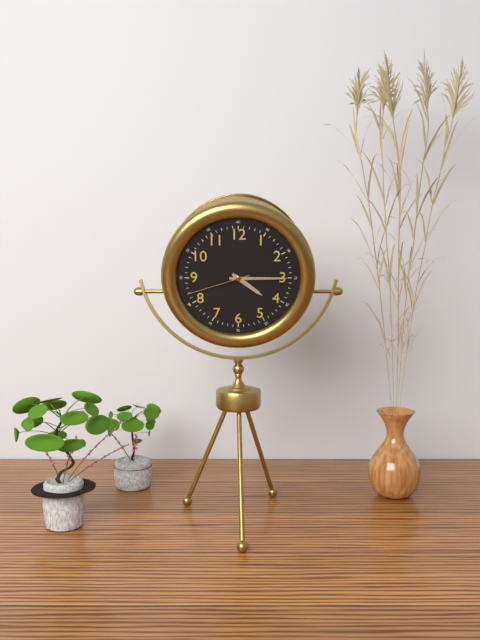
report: 4h15m42s
